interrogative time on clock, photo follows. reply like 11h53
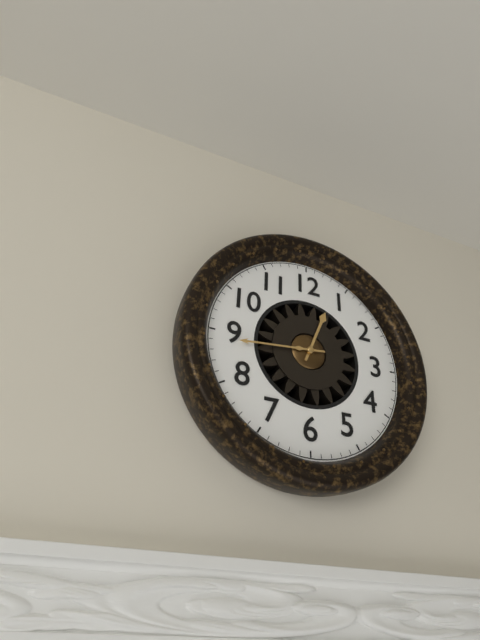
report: 12h44
